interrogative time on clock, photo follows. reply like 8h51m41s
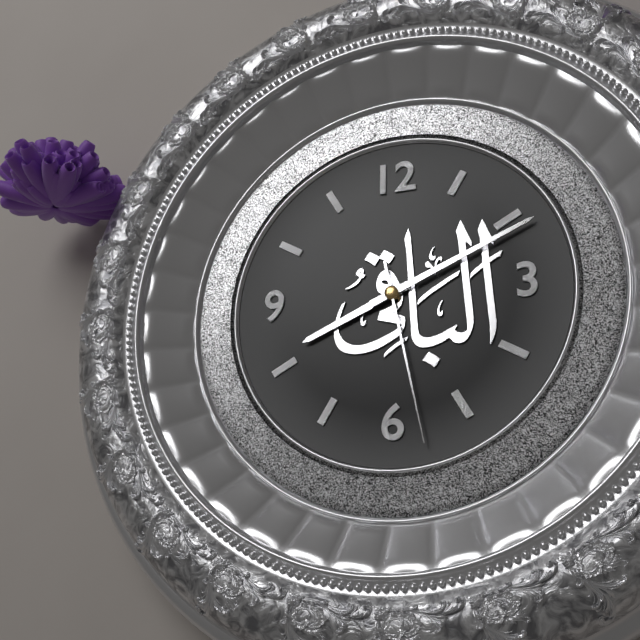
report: 8h11m28s
